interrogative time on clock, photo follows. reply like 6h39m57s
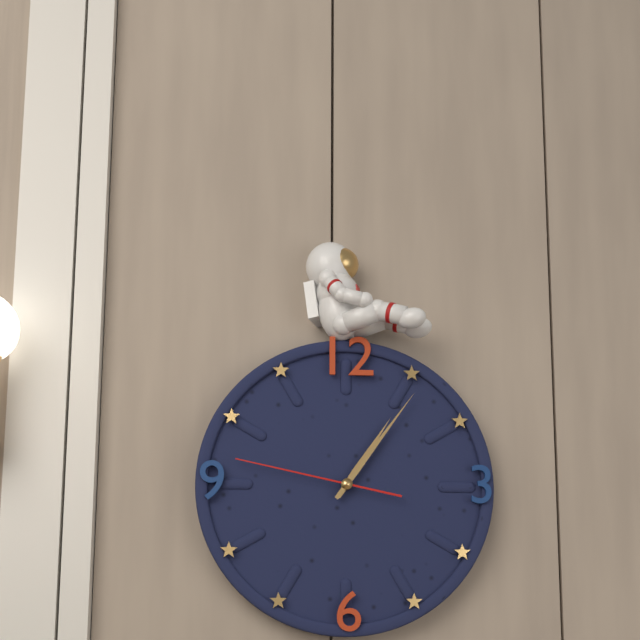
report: 1h06m47s
